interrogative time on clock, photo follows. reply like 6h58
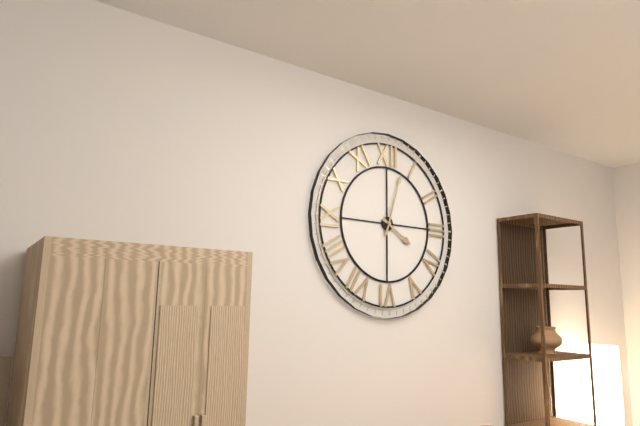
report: 4h03
